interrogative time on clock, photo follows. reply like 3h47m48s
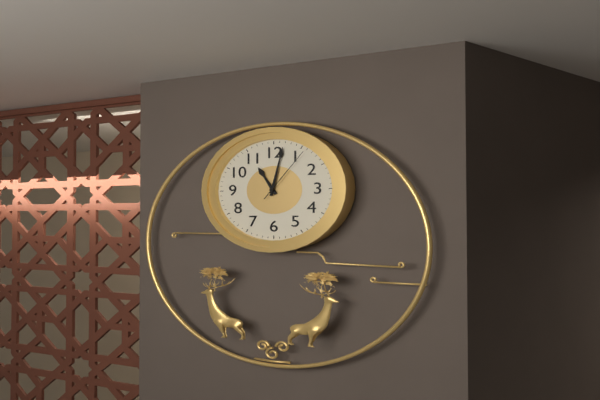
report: 11h02m06s
